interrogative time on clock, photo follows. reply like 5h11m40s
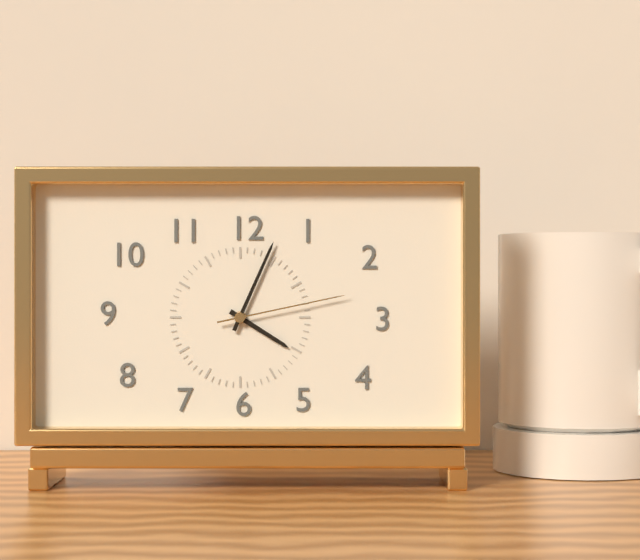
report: 4h04m13s
